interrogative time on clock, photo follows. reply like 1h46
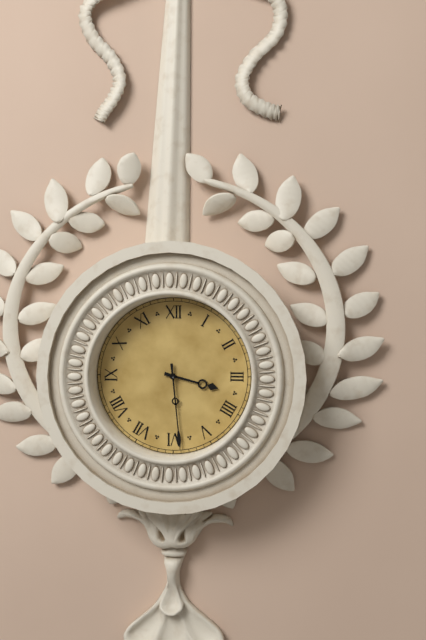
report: 3h29
